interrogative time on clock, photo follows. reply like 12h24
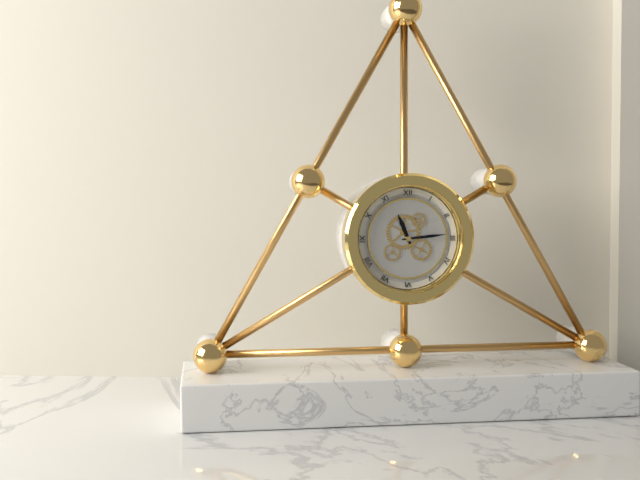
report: 11h14
